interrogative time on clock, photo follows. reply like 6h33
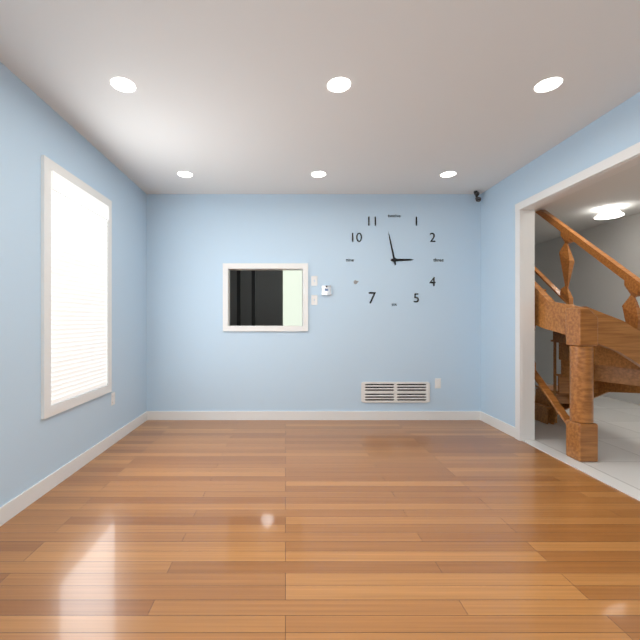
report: 2h58
